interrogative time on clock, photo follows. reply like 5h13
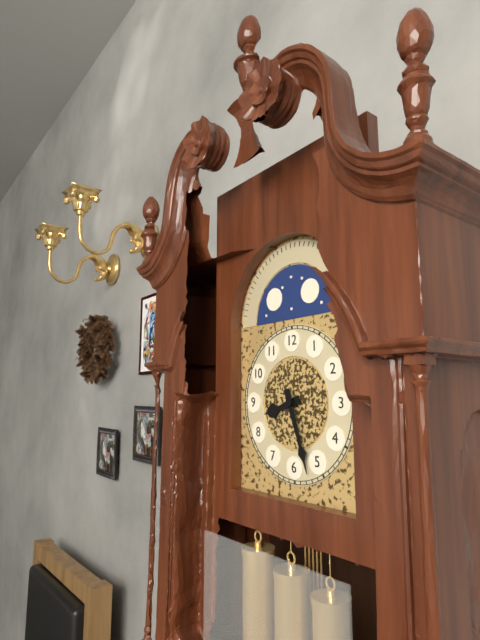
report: 8h27
